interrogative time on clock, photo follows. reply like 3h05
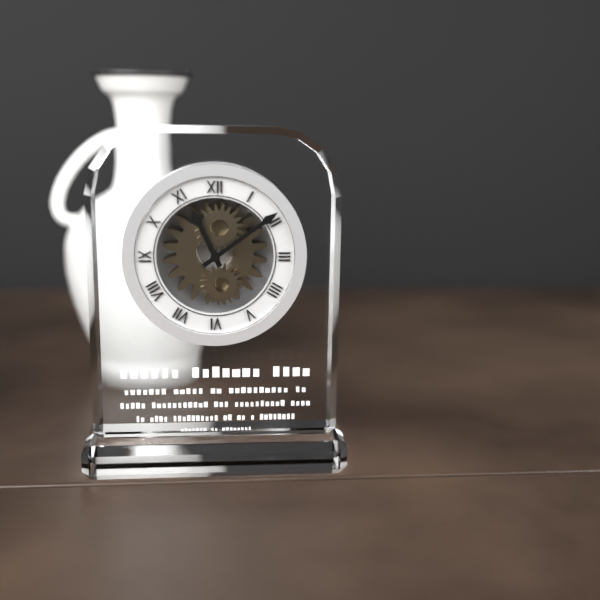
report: 11h09
